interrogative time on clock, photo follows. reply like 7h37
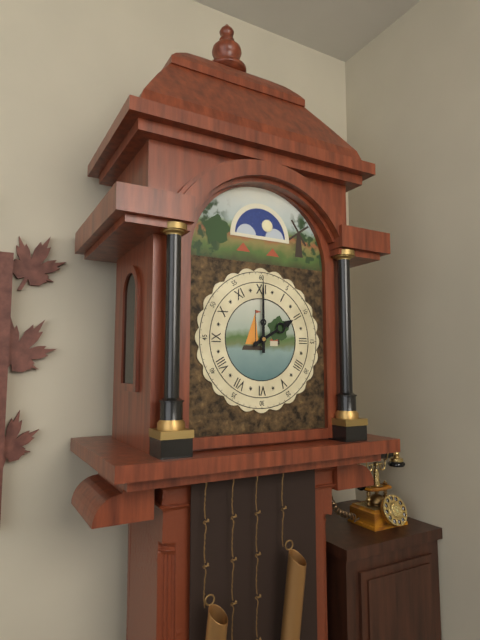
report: 2h00
